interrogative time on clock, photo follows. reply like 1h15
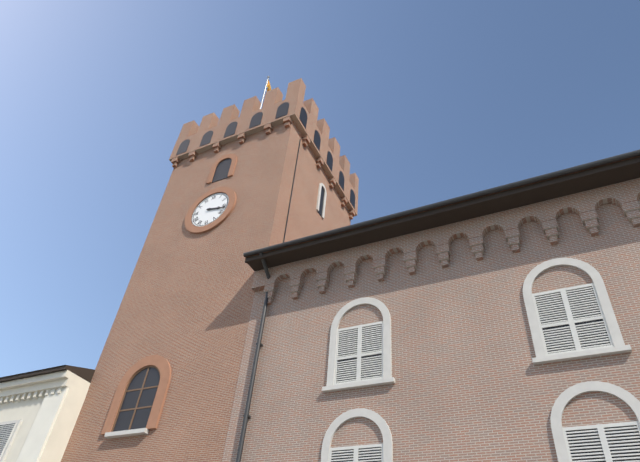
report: 3h17
